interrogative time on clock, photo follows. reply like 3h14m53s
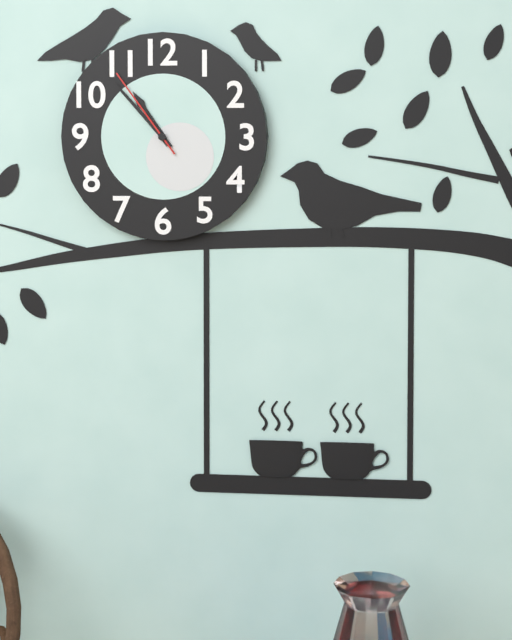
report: 10h53m54s
